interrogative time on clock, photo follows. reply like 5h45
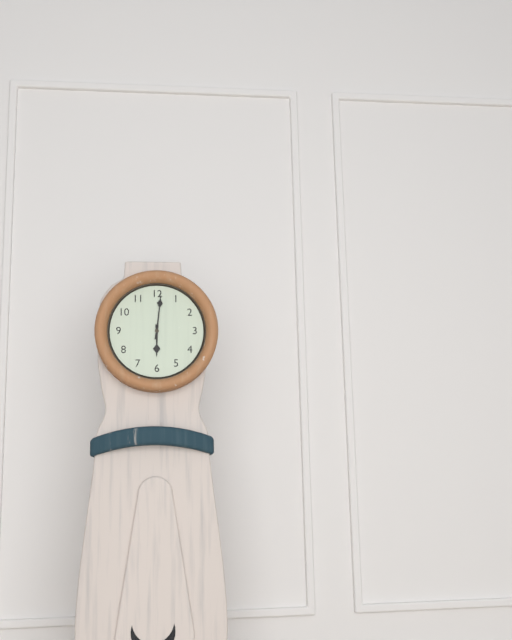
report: 6h01
